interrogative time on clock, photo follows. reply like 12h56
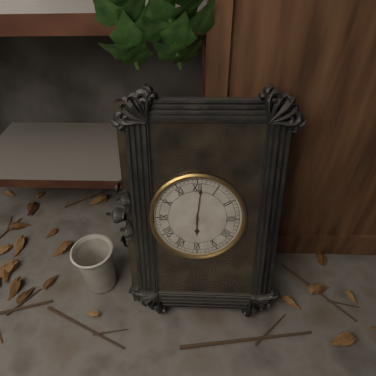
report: 6h01
